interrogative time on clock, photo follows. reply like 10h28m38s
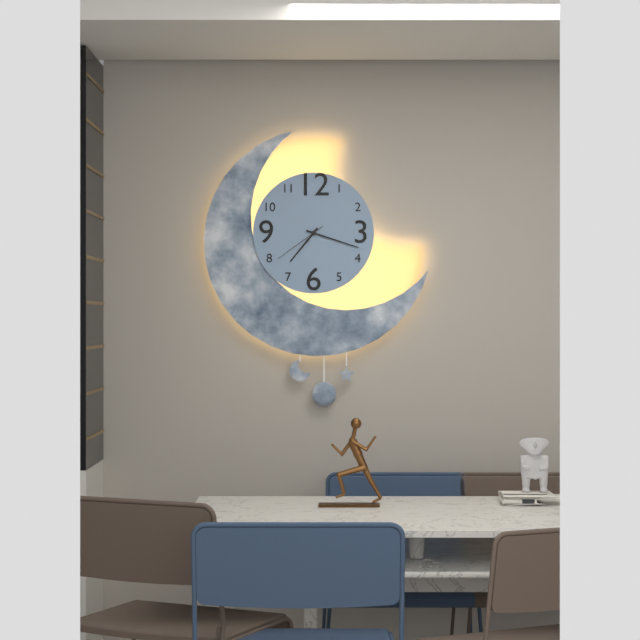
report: 7h18m39s
